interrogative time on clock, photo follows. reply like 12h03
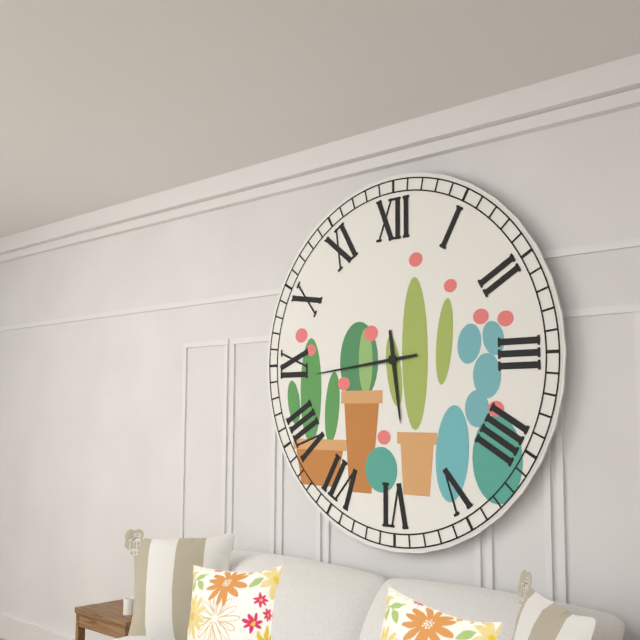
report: 5h44
